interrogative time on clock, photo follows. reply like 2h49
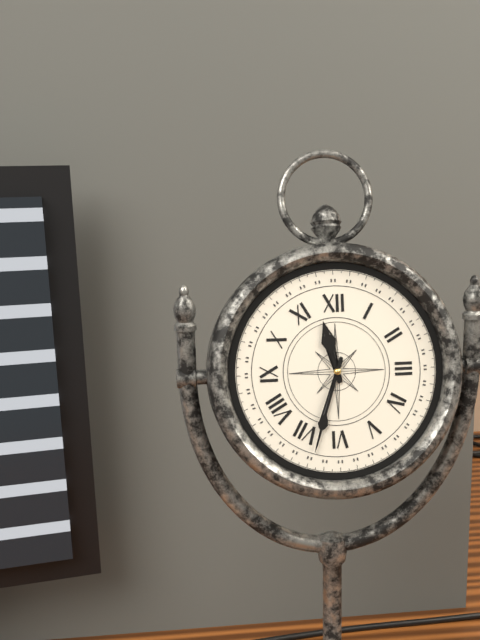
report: 11h33
